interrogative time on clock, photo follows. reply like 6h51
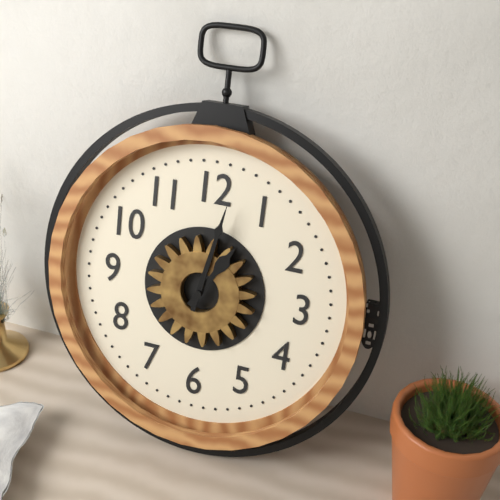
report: 1h02
